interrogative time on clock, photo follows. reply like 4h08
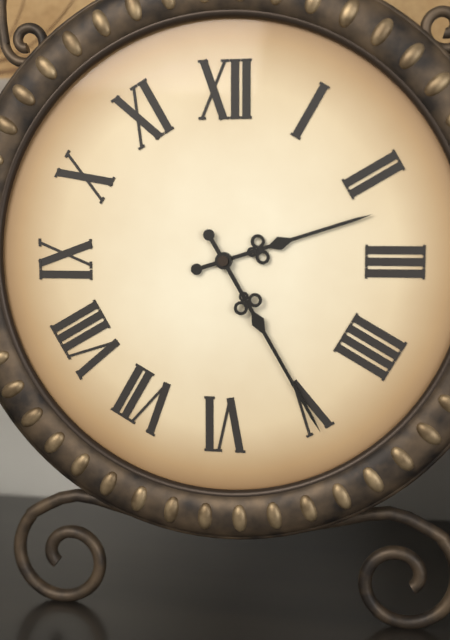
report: 2h25
